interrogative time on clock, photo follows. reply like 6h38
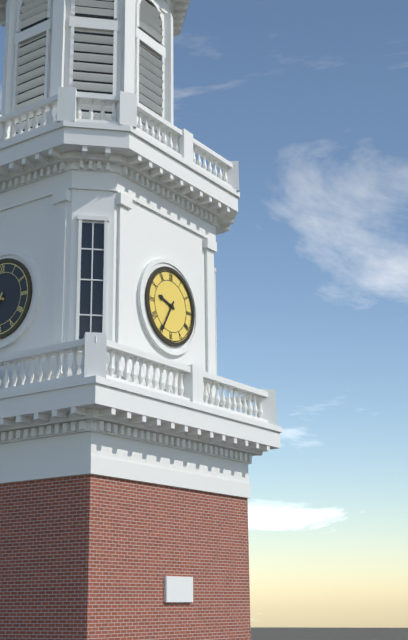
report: 9h35
